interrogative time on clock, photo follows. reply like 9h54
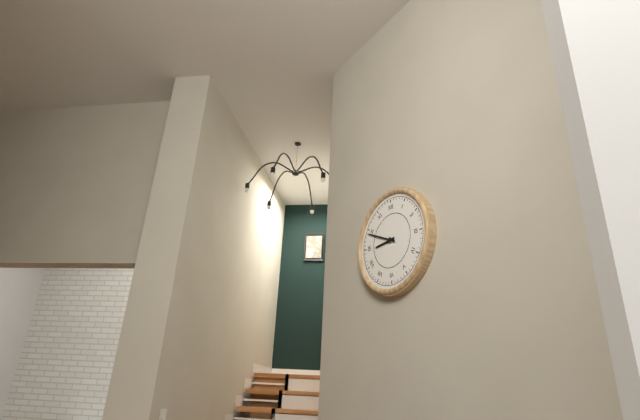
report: 8h49
